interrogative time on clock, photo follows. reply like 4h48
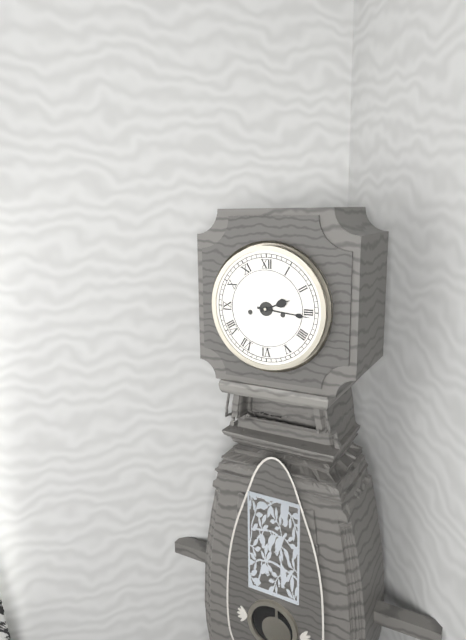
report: 2h16
